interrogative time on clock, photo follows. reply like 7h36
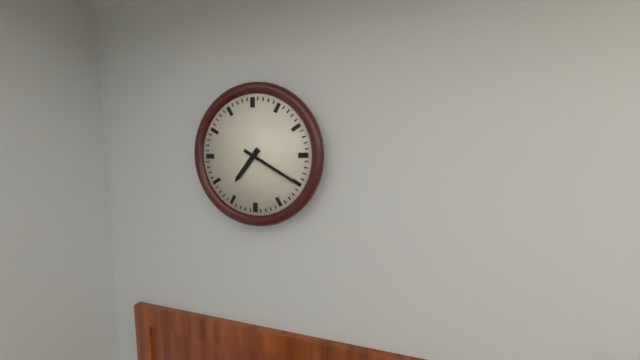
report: 7h20
